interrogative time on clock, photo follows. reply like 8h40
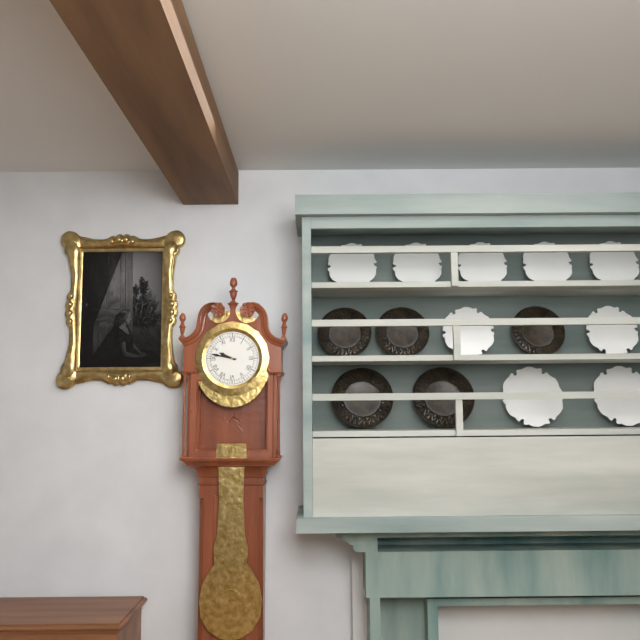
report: 9h47
